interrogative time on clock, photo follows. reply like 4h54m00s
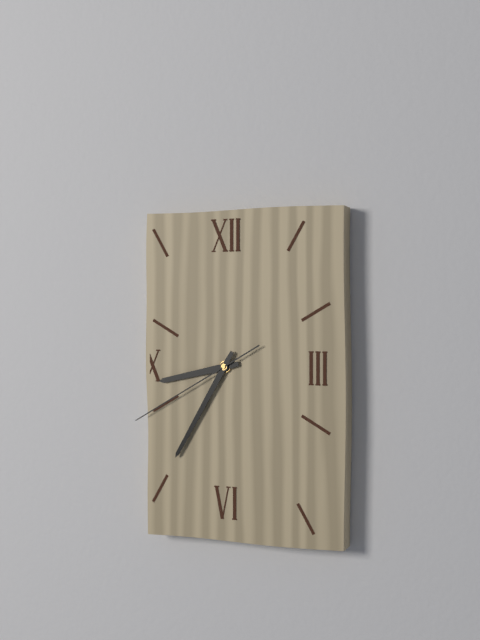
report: 8h35m40s
